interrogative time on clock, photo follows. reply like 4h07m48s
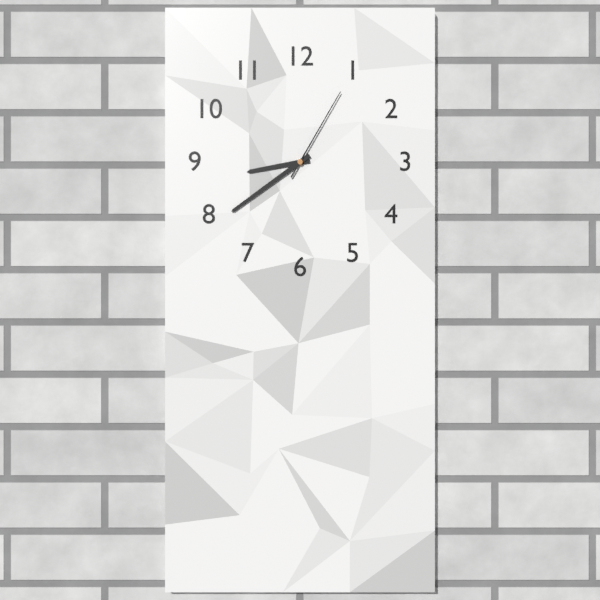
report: 8h39m05s
